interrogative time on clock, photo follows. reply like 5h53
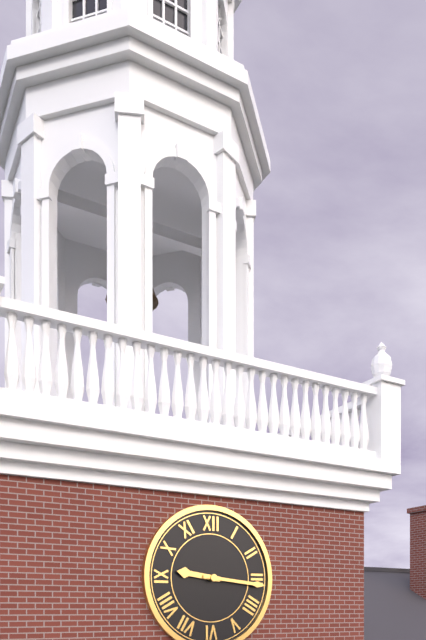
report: 9h16
